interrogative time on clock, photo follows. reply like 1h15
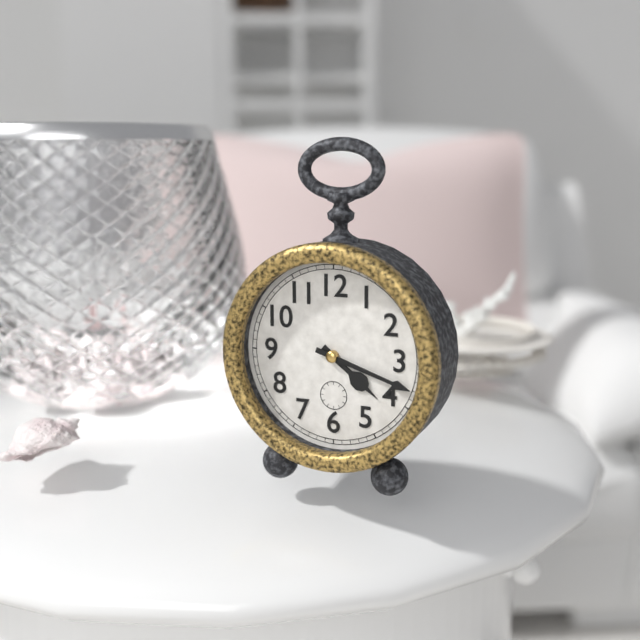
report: 4h18
